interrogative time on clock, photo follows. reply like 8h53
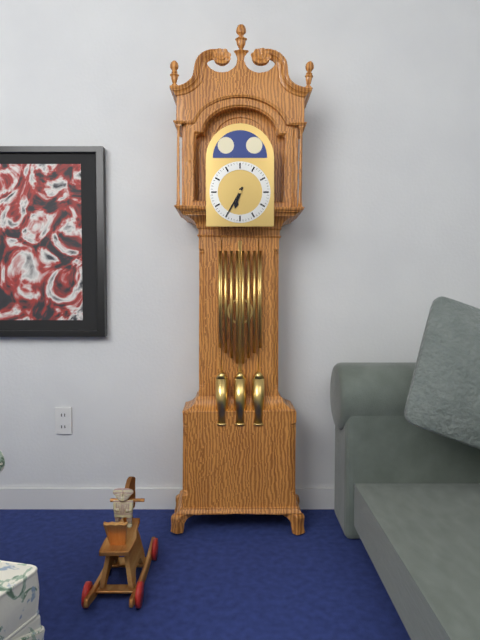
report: 6h35
